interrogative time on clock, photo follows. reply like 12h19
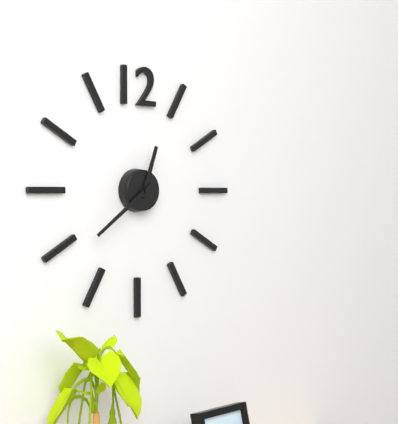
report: 12h39
